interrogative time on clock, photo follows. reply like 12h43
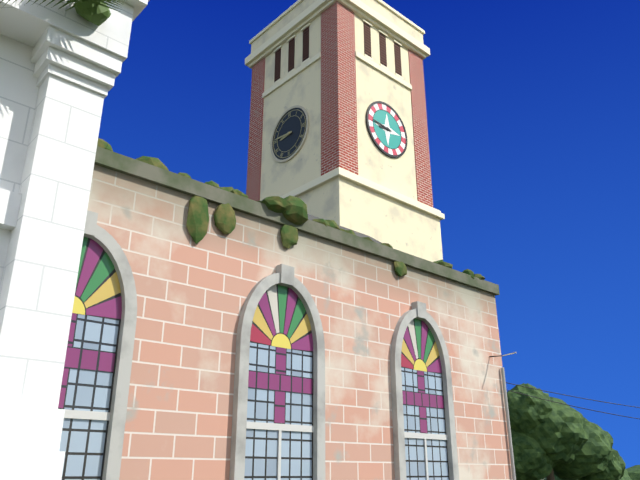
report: 8h46
